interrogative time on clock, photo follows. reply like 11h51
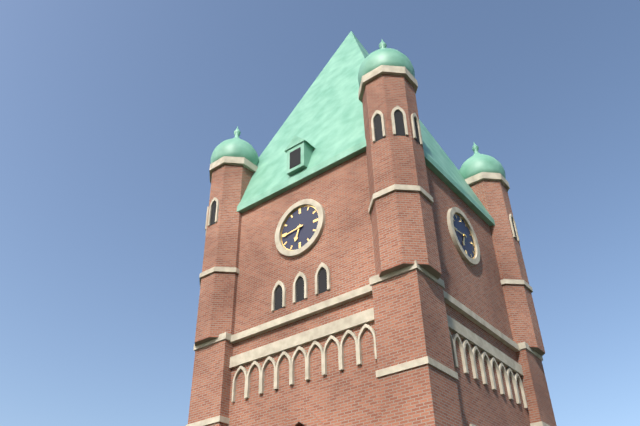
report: 6h44
